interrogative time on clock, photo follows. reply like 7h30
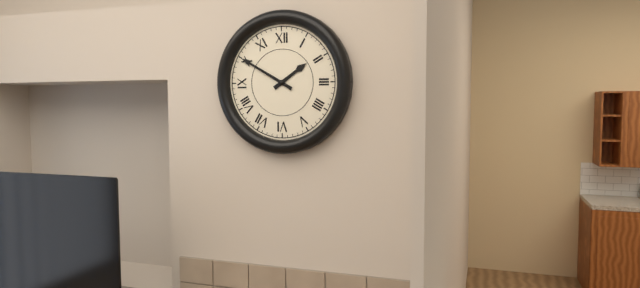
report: 1h50
